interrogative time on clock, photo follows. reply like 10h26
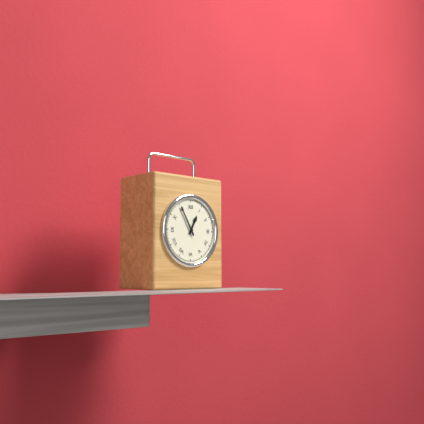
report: 12h55
